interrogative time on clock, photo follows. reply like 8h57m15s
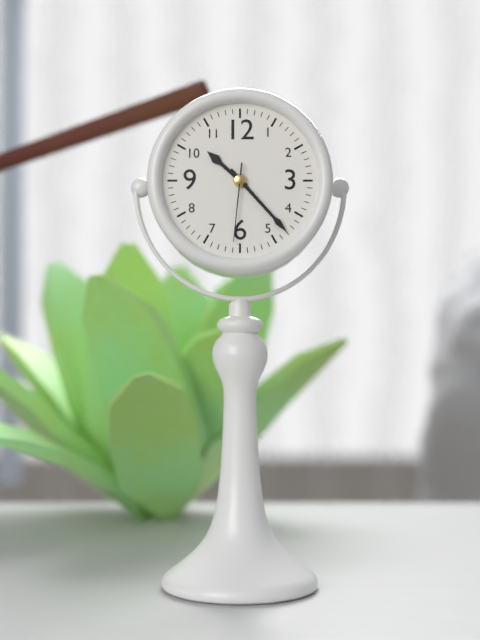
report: 10h23m31s
